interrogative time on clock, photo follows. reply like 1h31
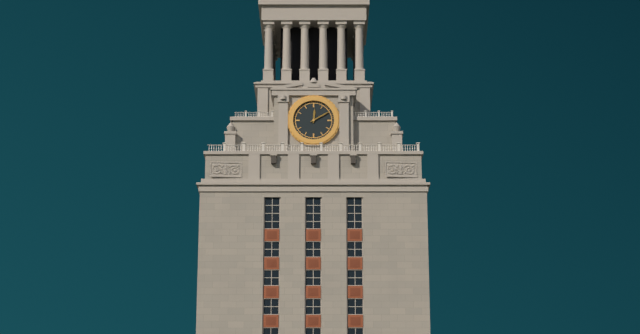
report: 12h10
